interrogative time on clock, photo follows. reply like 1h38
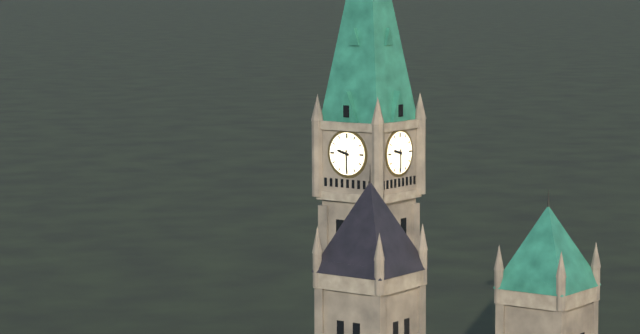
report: 9h30
